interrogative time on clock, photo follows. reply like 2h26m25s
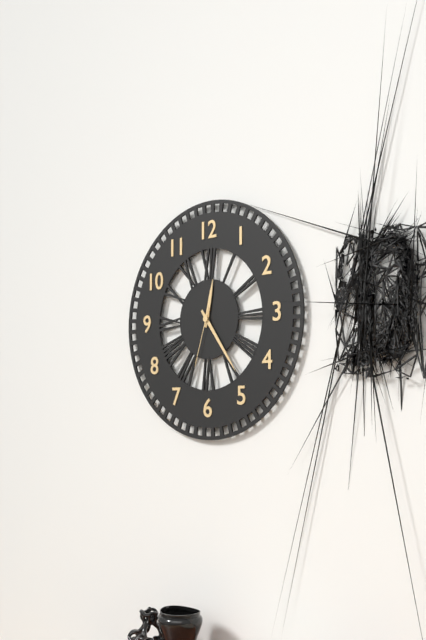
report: 12h24m33s
